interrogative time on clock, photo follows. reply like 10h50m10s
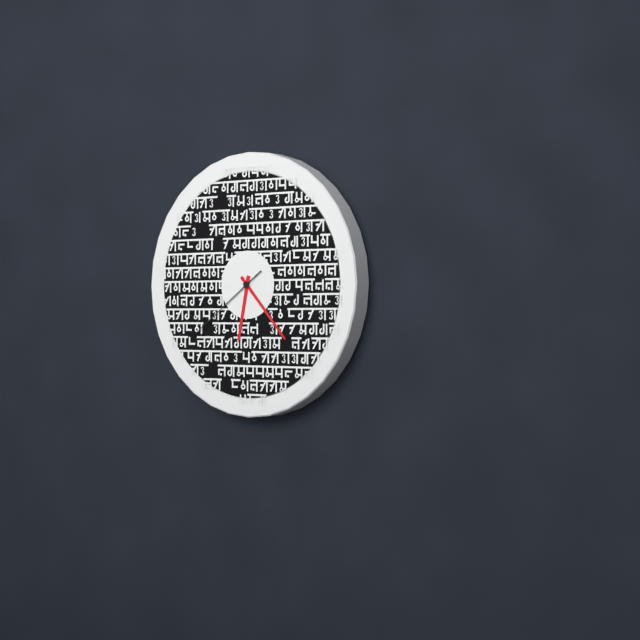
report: 6h23m39s
